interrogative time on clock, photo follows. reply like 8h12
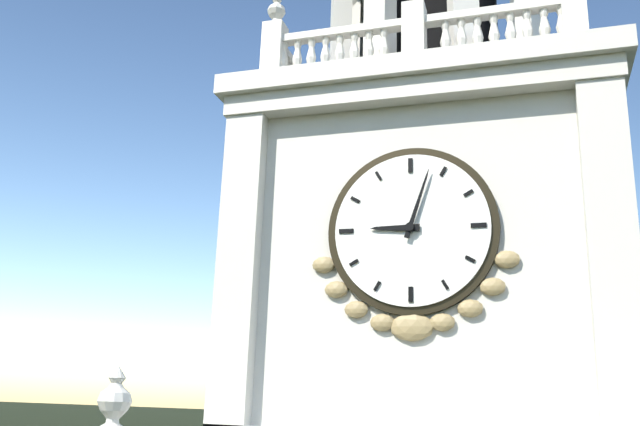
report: 9h03
